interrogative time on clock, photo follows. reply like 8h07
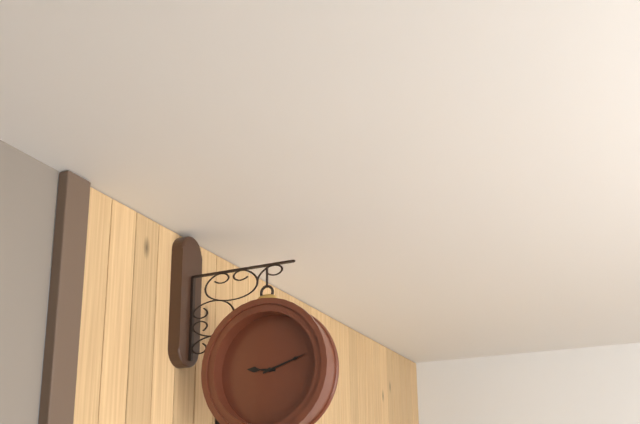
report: 9h12
